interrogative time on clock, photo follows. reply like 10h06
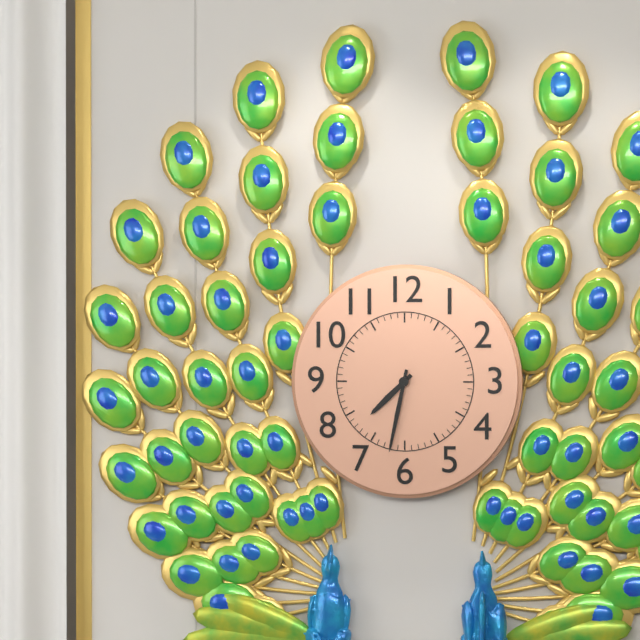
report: 7h32
